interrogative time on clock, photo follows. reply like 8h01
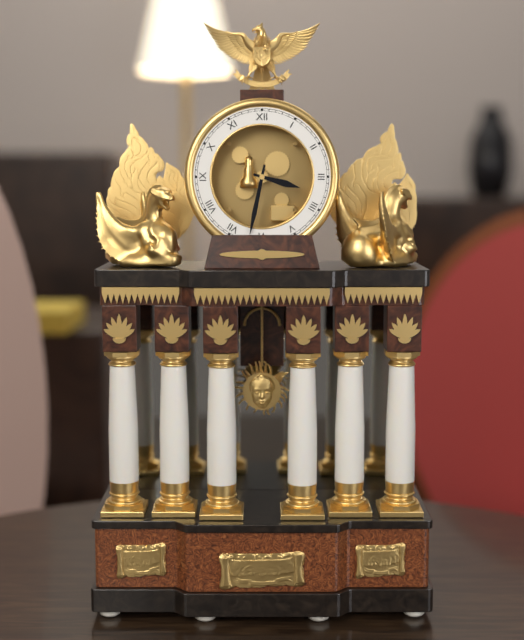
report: 3h32
